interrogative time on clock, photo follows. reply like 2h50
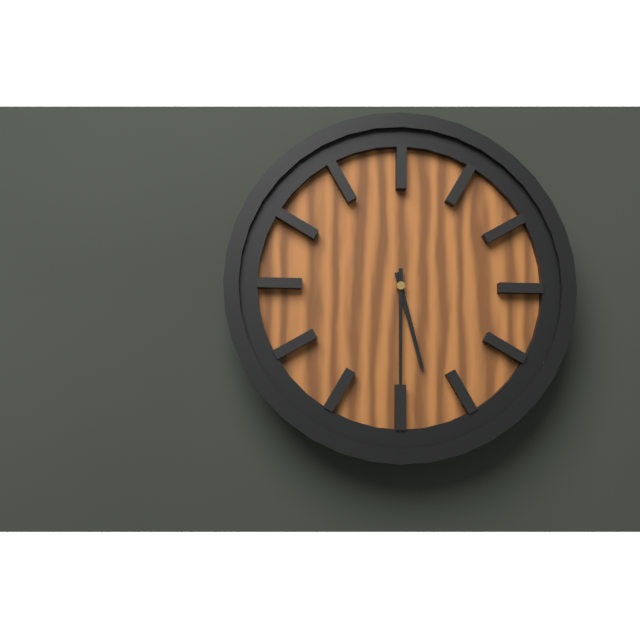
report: 5h30
